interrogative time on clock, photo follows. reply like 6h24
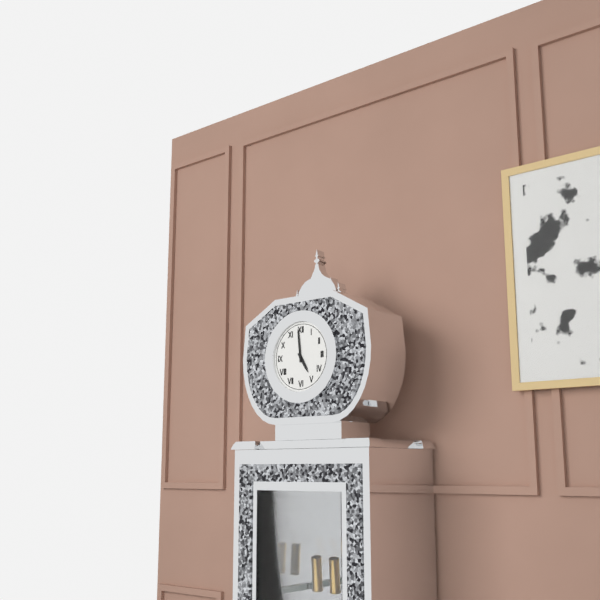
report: 4h59
